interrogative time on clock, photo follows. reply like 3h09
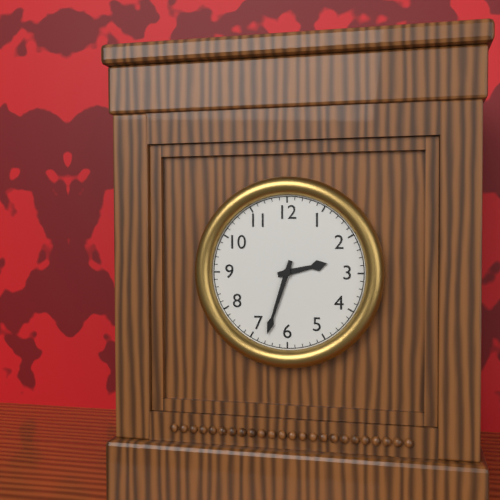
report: 2h33
